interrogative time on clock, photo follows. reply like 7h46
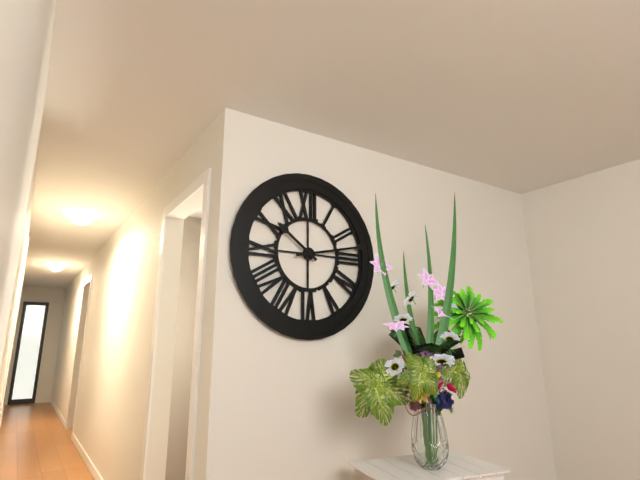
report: 10h13
